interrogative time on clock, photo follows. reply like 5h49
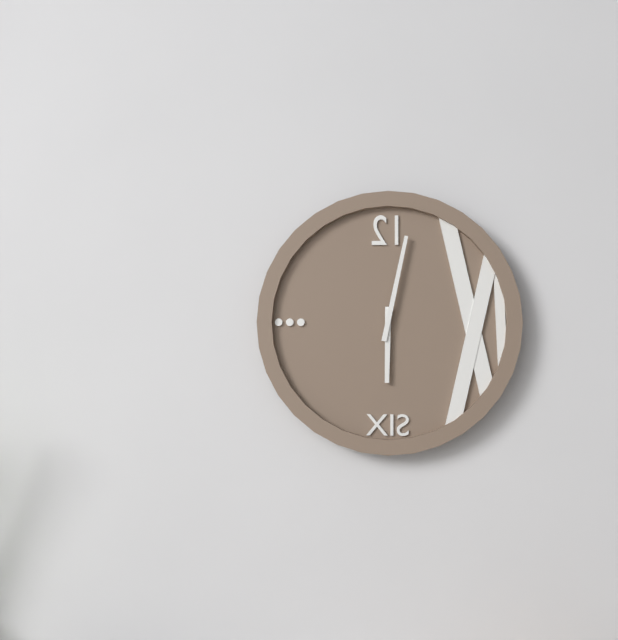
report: 6h02
